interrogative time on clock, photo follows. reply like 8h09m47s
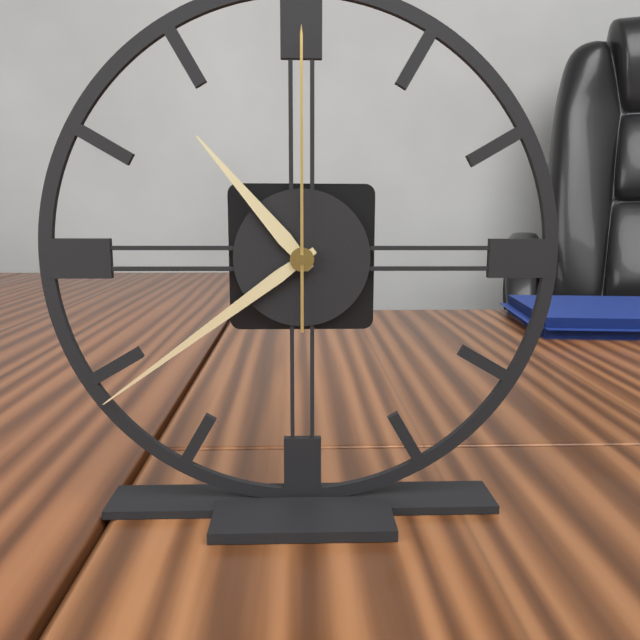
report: 10h39m00s
